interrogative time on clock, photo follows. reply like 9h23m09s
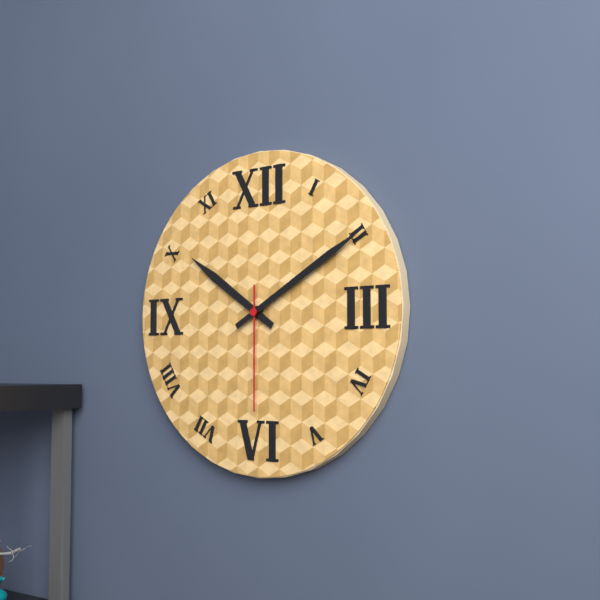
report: 10h10m30s
